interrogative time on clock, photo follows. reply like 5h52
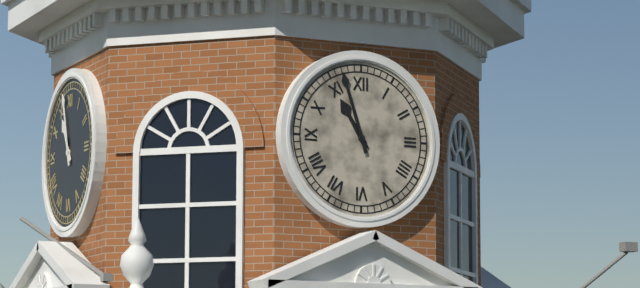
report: 10h57
